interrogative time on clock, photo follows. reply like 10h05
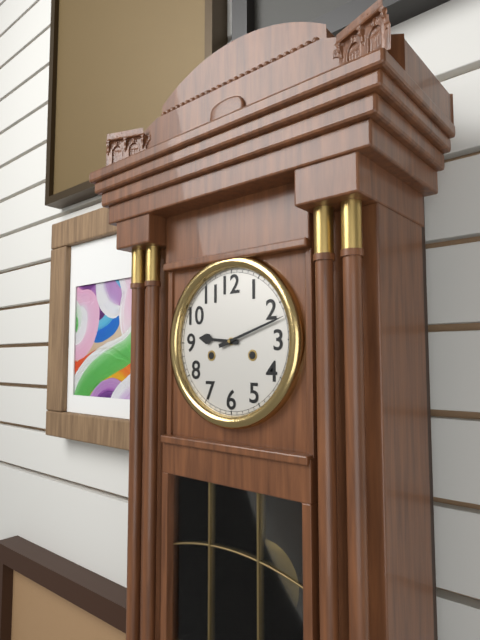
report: 9h12
